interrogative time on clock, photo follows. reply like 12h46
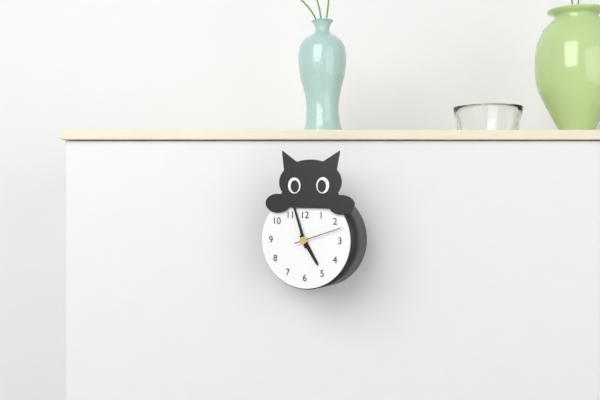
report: 4h57
